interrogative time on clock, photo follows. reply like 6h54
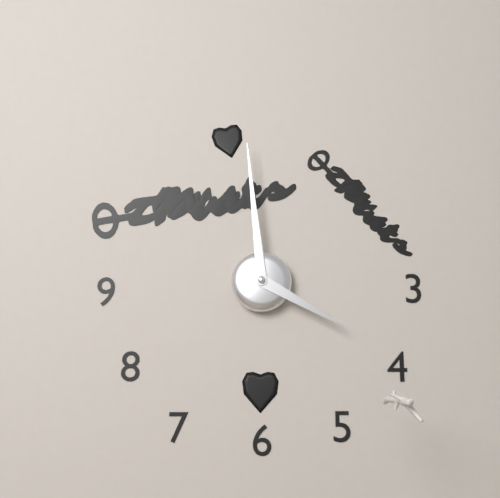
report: 3h59
